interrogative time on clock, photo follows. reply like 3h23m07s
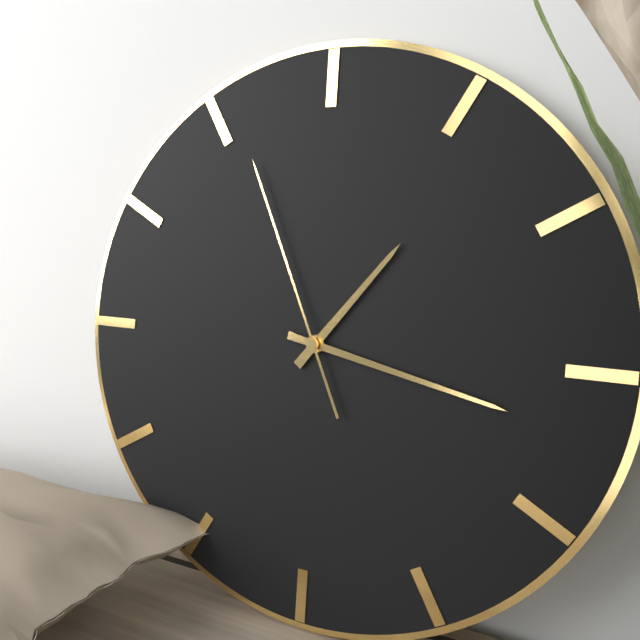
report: 1h17m56s
